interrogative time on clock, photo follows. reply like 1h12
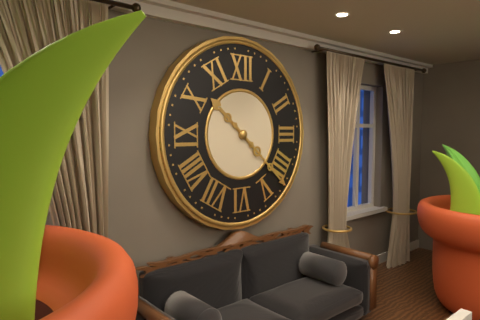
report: 10h22
